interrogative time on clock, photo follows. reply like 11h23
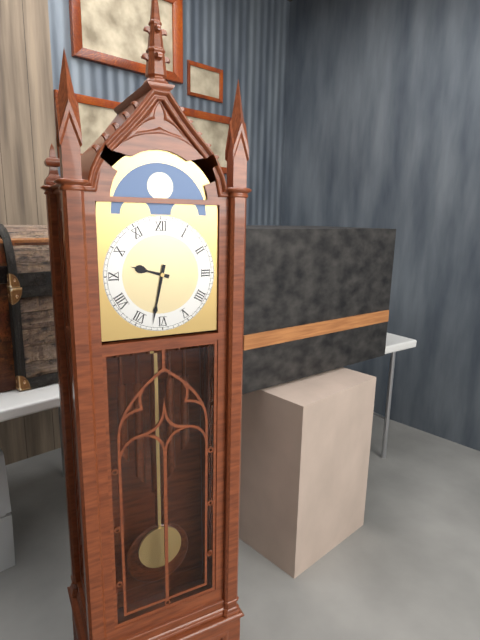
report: 9h32
